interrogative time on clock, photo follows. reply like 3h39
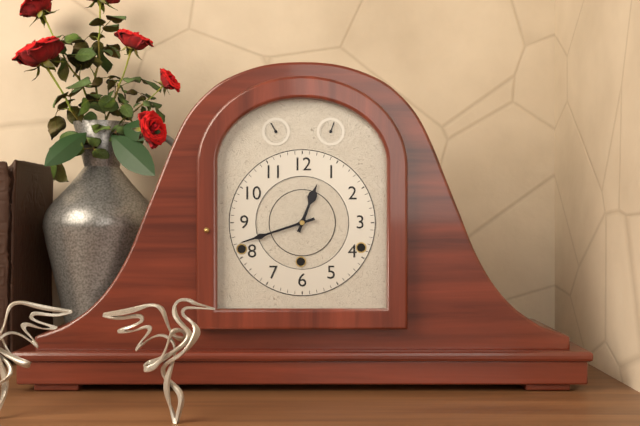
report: 12h42
